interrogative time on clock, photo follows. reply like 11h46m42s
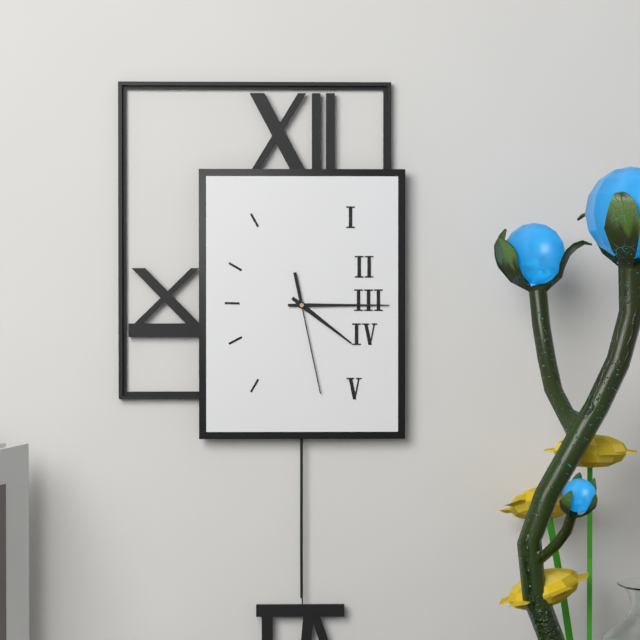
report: 4h15m28s
